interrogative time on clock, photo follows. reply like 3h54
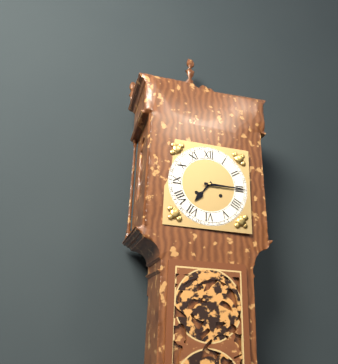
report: 7h15
